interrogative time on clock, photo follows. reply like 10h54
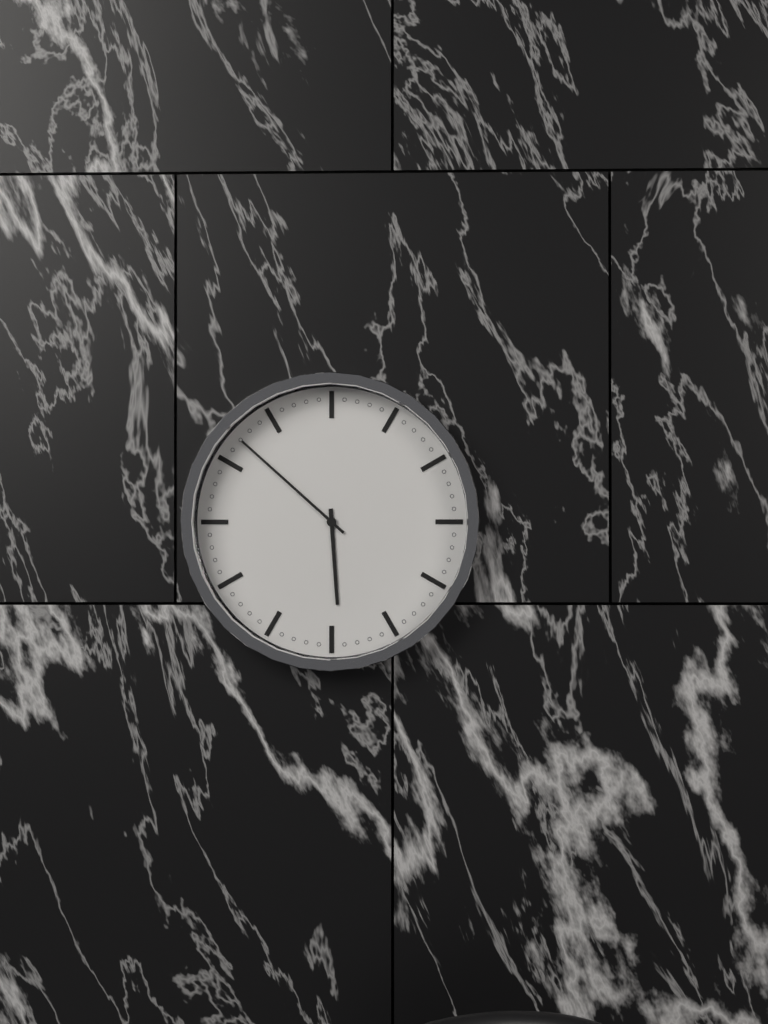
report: 5h52
